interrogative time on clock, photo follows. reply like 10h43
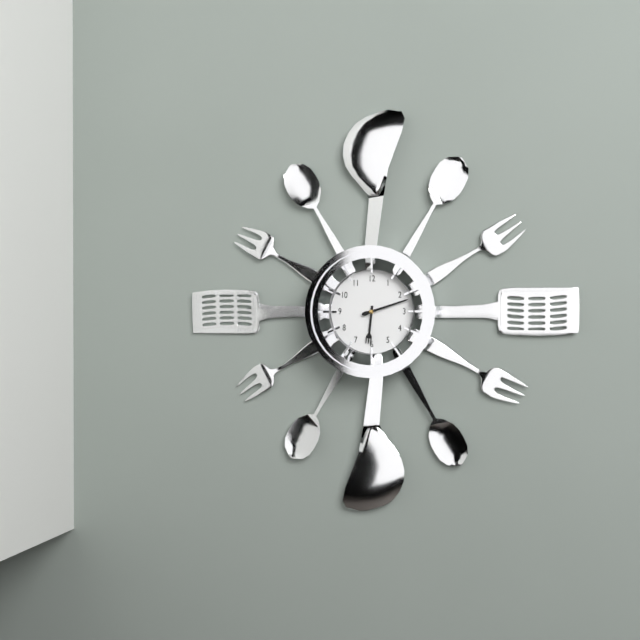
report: 6h12
